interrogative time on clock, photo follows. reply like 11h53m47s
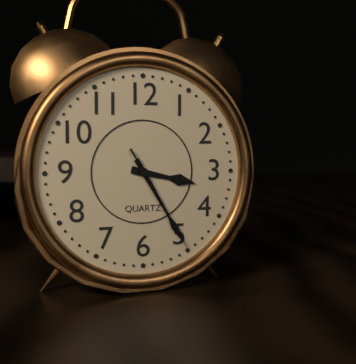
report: 3h25m25s
